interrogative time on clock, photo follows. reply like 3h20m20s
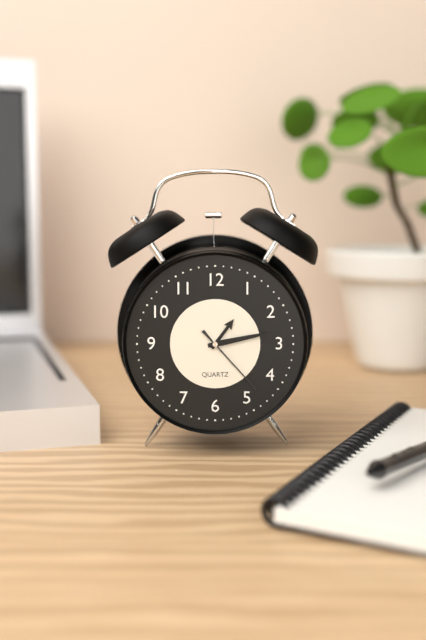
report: 1h13m23s
